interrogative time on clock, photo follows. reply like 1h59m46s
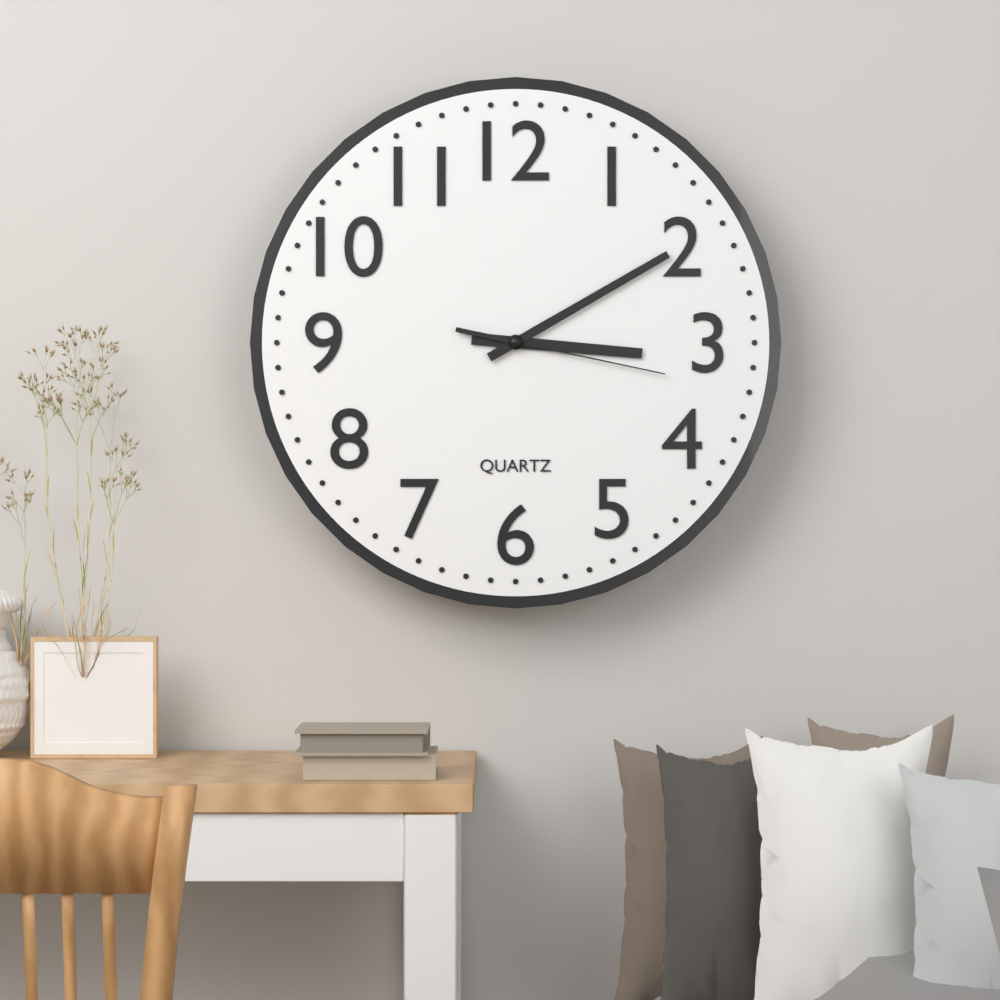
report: 3h10m17s
